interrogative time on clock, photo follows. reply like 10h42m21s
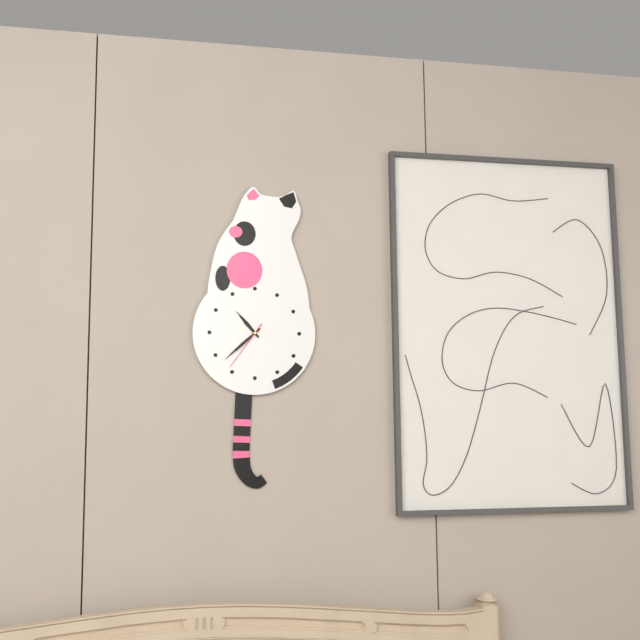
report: 10h38m36s
